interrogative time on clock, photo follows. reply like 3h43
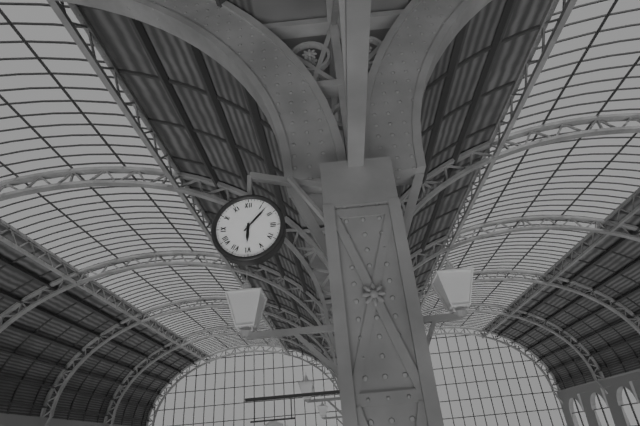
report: 6h07
